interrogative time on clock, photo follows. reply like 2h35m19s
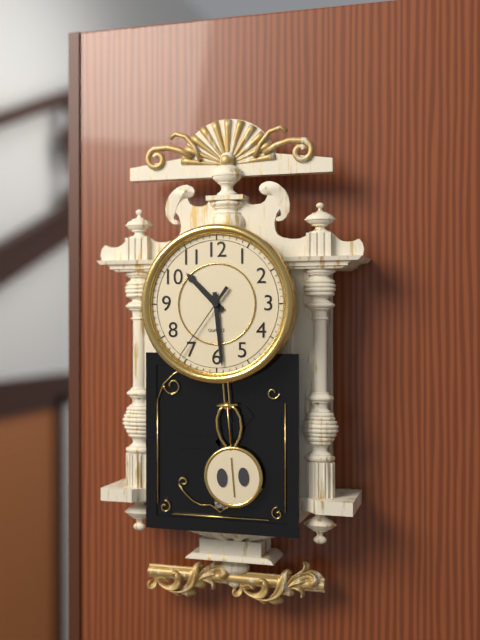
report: 10h29m36s
